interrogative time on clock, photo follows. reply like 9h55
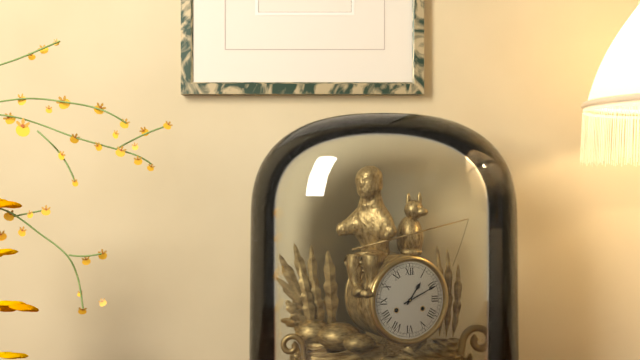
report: 1h11
